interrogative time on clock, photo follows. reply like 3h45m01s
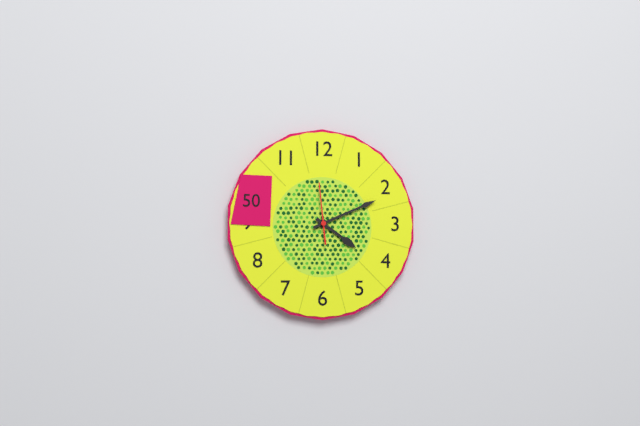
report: 4h11m59s
